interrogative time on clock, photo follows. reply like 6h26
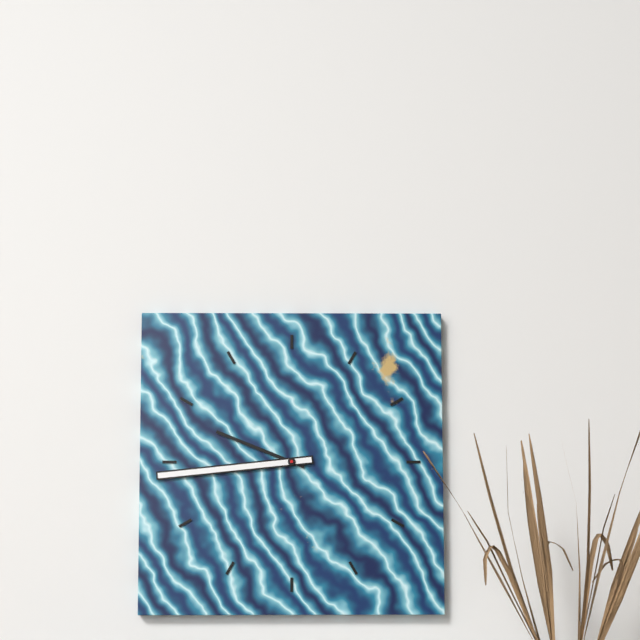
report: 9h44
